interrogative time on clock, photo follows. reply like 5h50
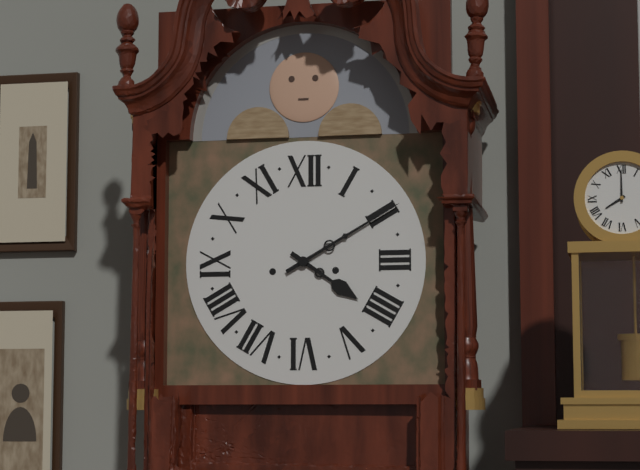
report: 4h10
